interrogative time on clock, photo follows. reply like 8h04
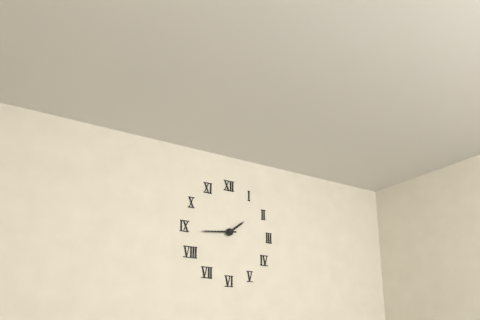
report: 1h44
